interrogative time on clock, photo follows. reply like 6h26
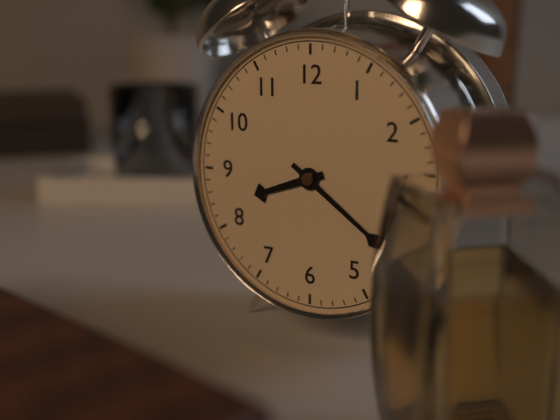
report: 8h21
